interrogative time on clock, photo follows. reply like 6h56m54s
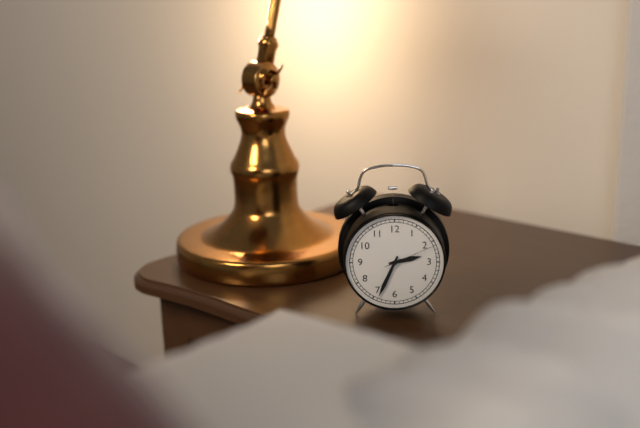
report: 2h34m11s
